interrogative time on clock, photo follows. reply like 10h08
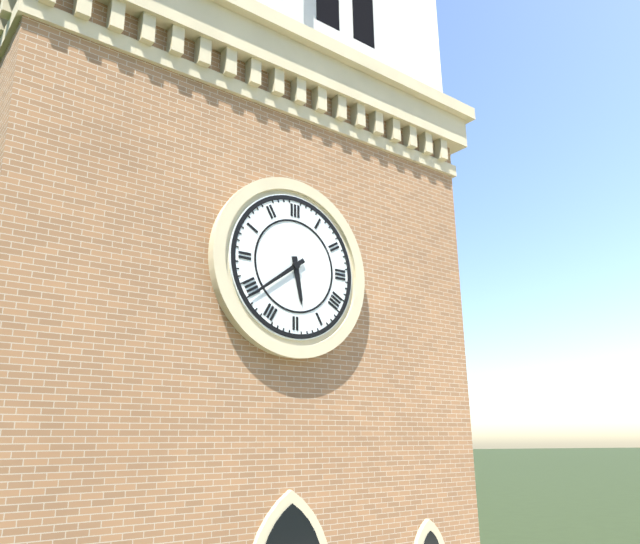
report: 5h39
